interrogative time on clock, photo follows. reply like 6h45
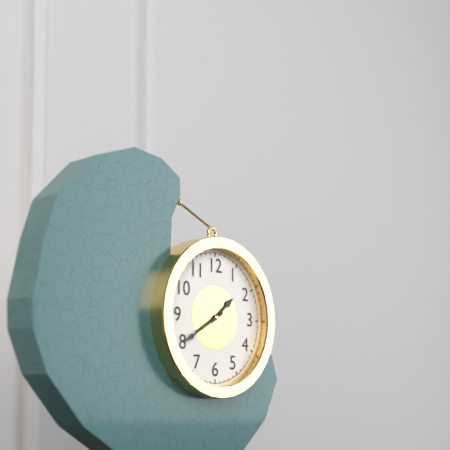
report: 1h40
